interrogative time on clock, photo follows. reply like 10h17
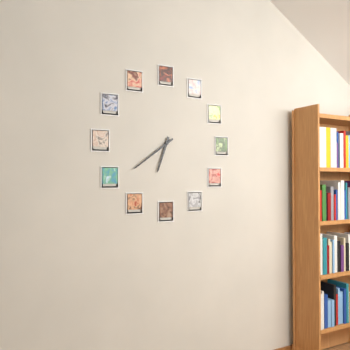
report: 6h39
